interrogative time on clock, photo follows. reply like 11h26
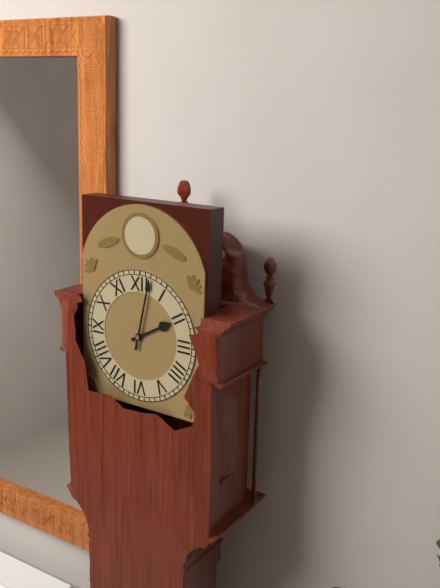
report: 2h02
